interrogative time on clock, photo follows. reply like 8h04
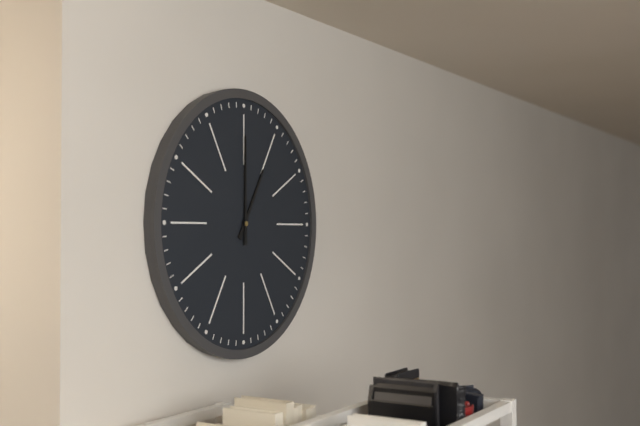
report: 1h00
